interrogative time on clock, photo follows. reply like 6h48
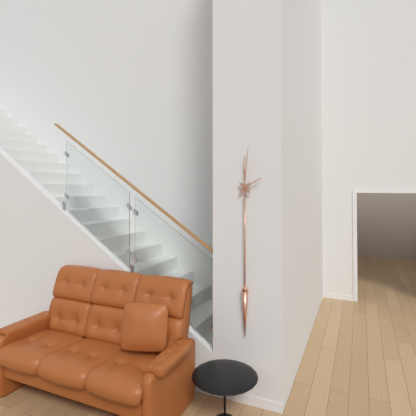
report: 2h01
